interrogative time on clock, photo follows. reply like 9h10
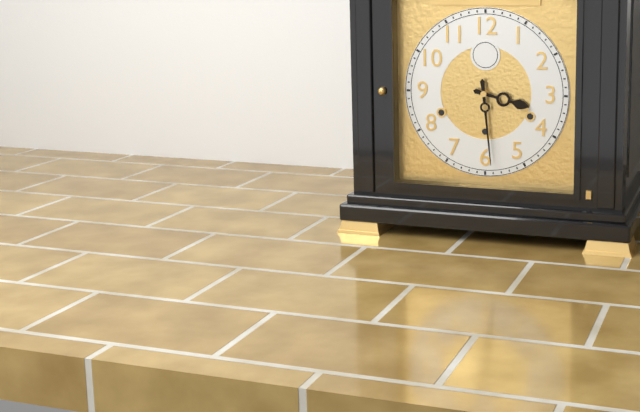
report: 3h29
